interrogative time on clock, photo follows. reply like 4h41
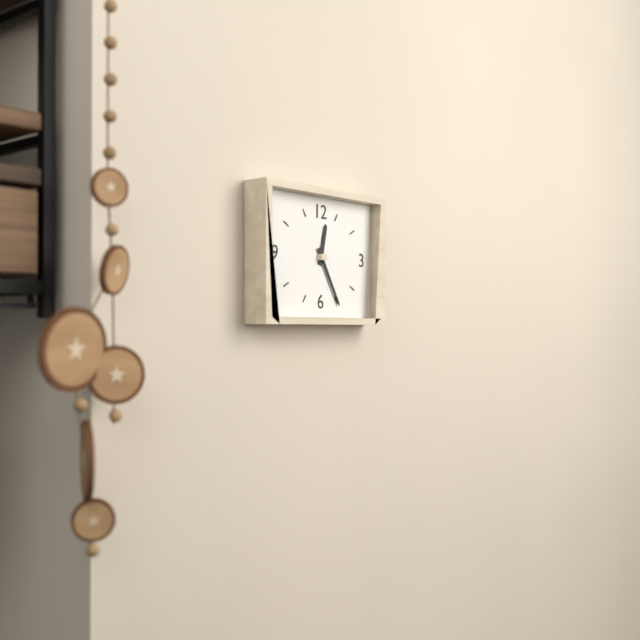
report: 12h25
